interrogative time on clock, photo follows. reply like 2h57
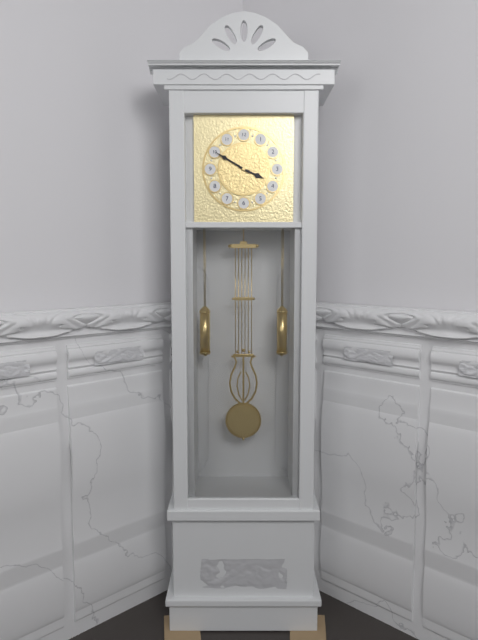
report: 3h50
